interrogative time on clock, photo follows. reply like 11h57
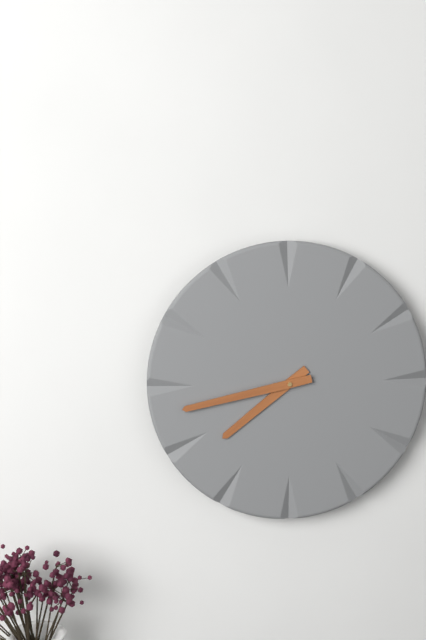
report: 7h43
